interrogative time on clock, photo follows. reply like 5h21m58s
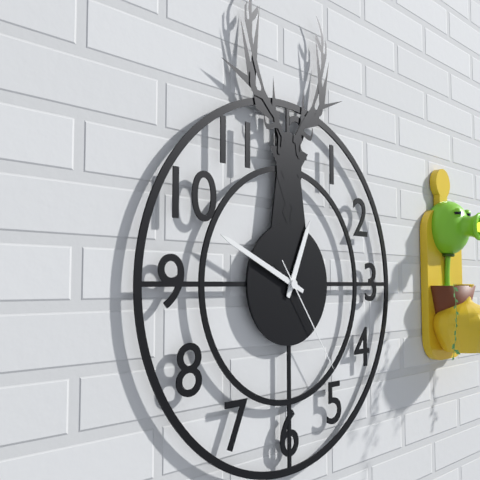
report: 12h49m24s
